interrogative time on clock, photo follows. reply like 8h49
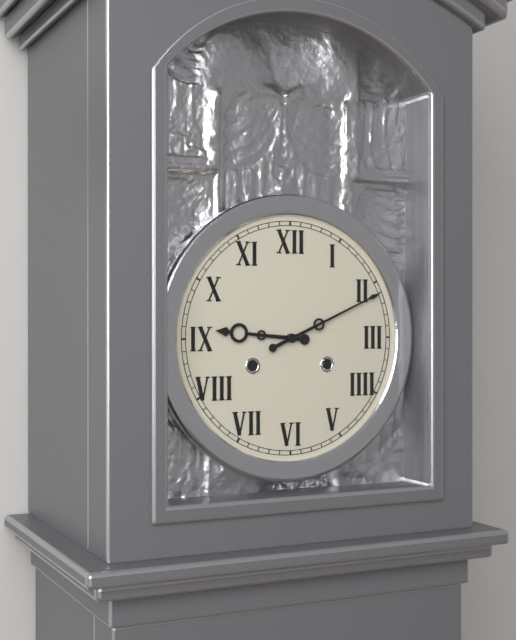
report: 9h11
